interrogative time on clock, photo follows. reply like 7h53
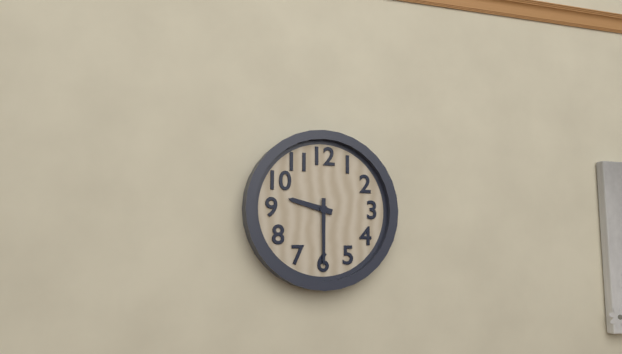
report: 9h30
